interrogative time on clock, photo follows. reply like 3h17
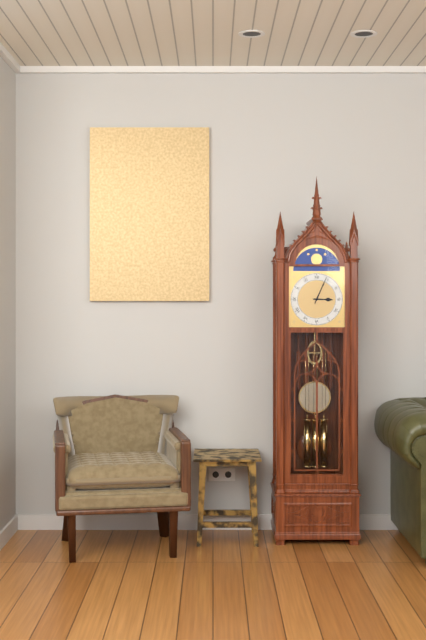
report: 3h04
